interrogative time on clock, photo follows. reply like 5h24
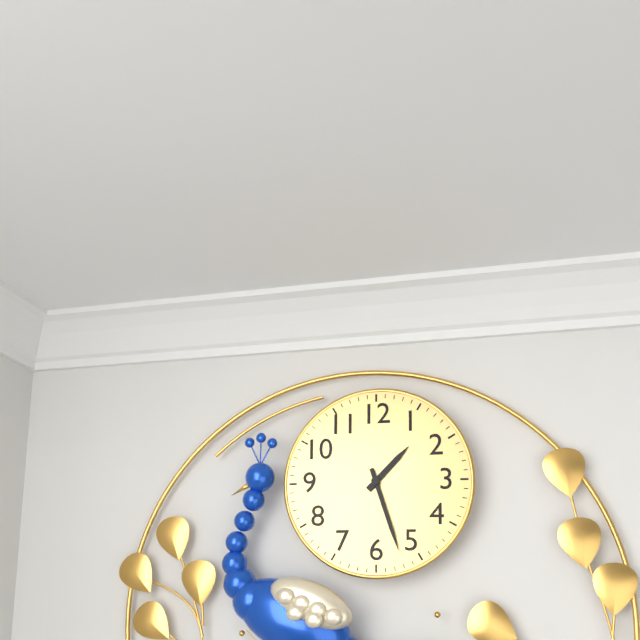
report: 1h27
